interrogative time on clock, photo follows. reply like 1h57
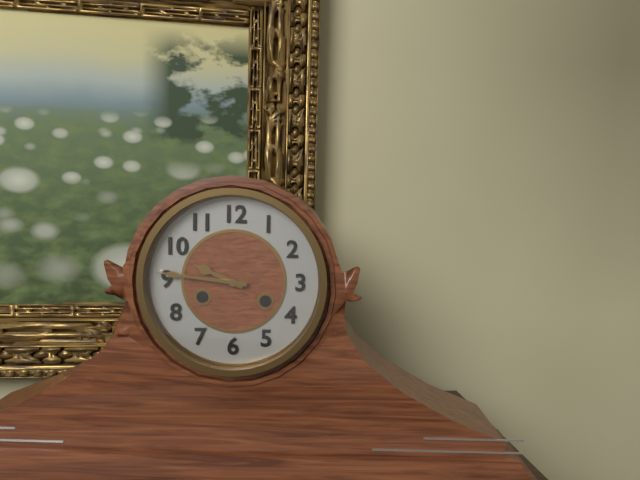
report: 9h46
